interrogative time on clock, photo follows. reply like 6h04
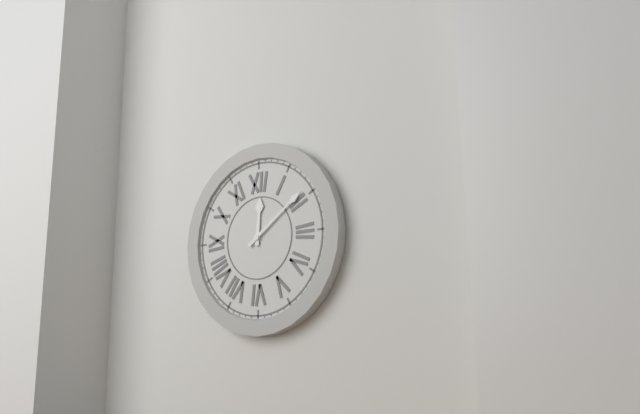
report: 12h09
